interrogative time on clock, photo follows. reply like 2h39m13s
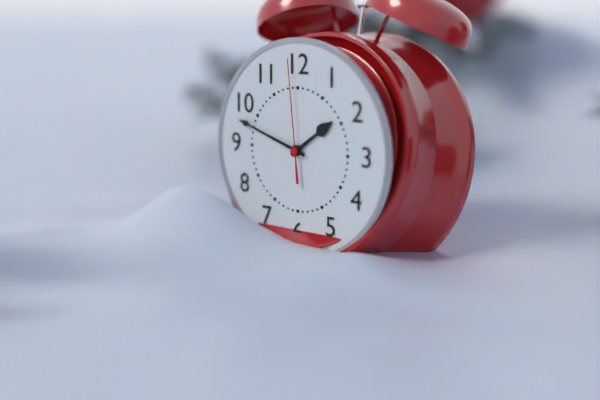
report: 1h48m59s
